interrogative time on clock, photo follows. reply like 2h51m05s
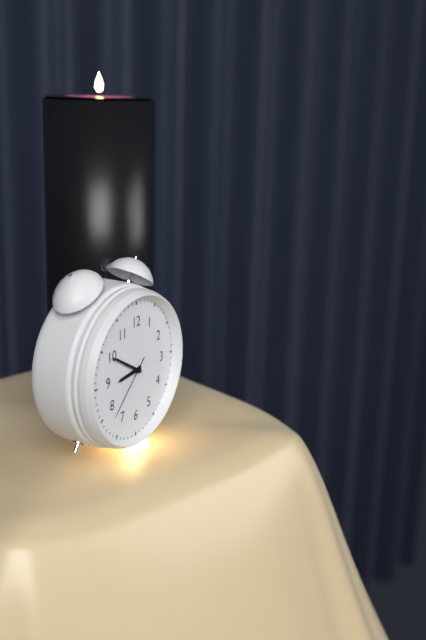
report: 8h50m38s
